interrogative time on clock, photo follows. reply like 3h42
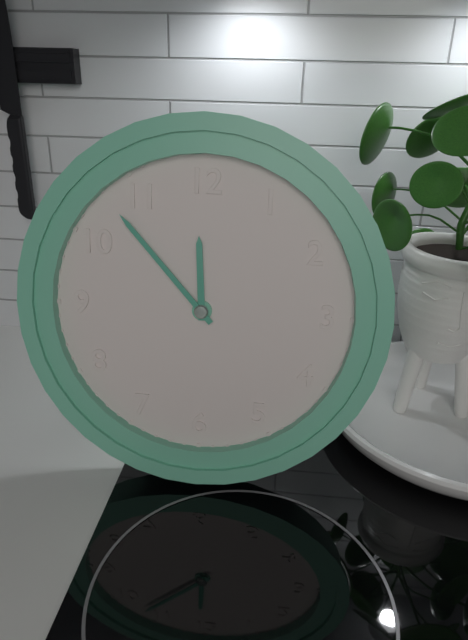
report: 11h53
